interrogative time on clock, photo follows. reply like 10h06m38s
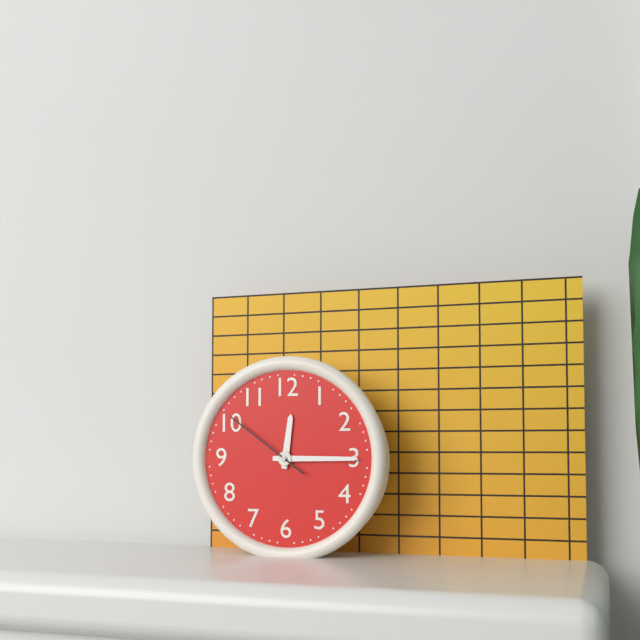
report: 12h15m51s
